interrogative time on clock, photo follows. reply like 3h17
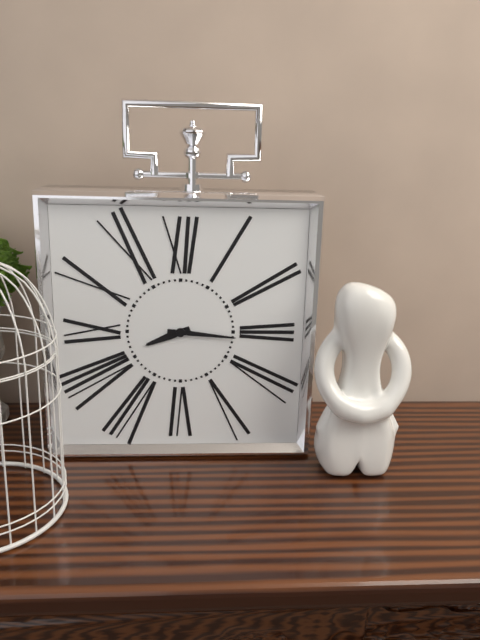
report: 8h16
